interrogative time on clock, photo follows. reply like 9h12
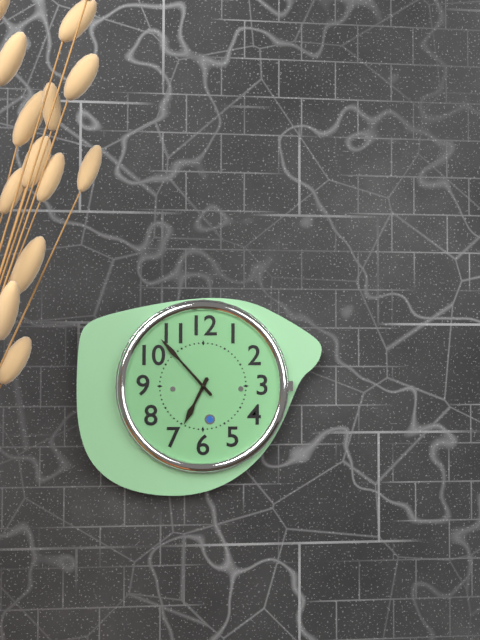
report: 6h53
